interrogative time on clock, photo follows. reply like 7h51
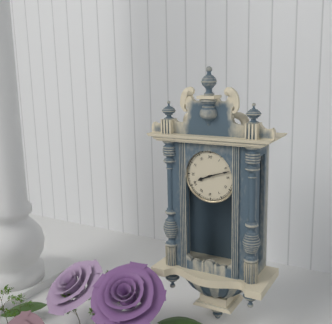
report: 8h12
